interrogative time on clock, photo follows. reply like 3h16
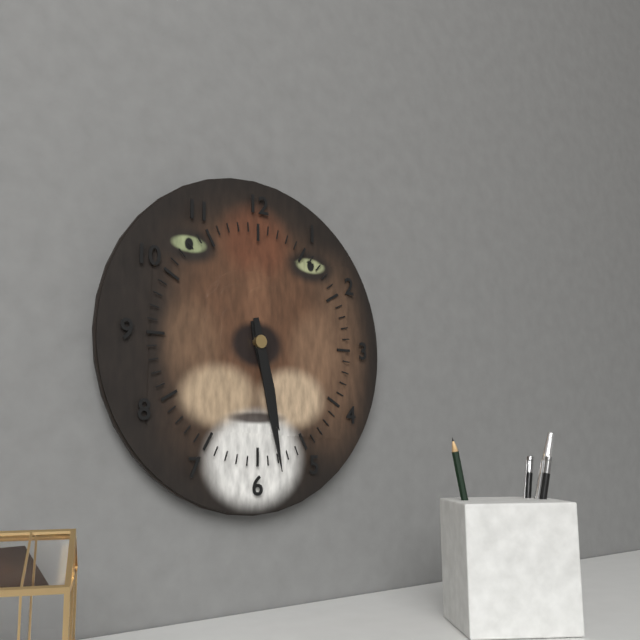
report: 5h28
